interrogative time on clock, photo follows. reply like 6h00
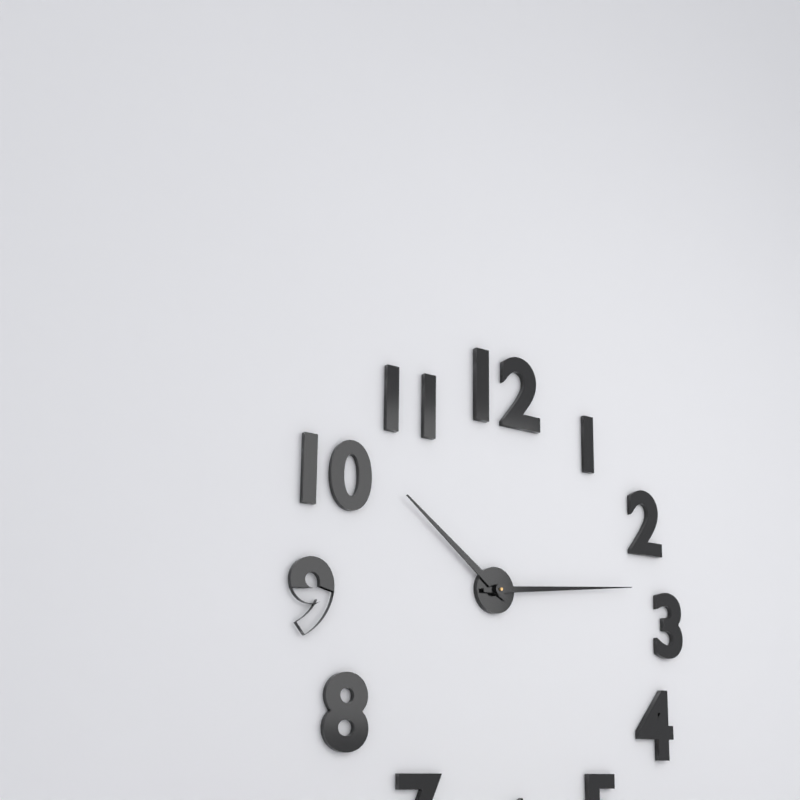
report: 10h14
